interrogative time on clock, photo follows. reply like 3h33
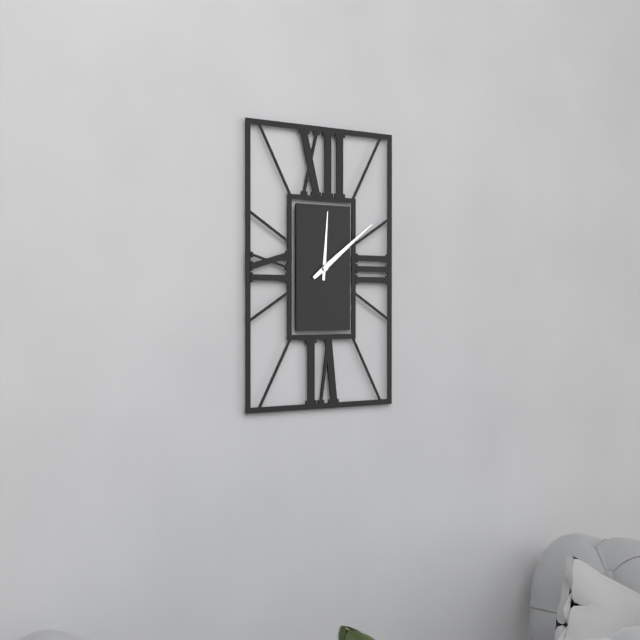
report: 12h09
